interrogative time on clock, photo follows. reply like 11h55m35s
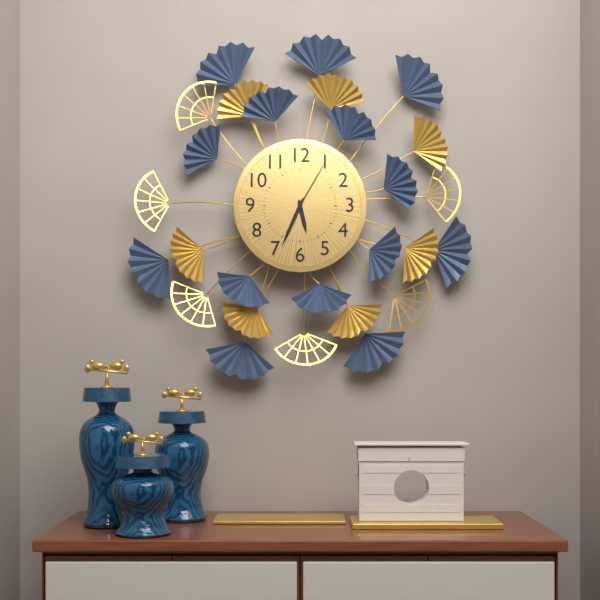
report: 5h34m05s
